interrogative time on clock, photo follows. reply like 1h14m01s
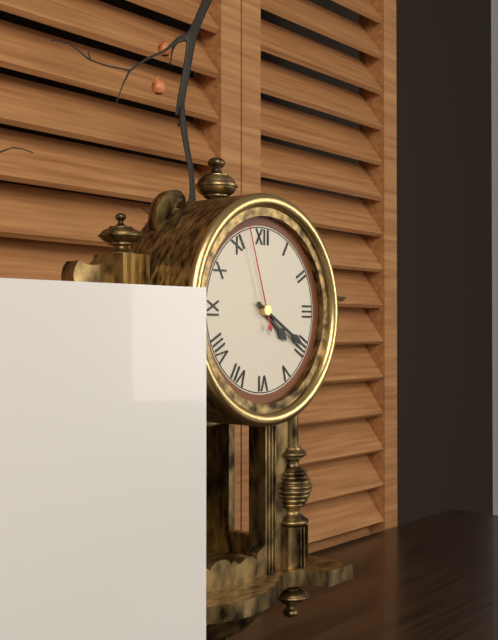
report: 4h20m57s
